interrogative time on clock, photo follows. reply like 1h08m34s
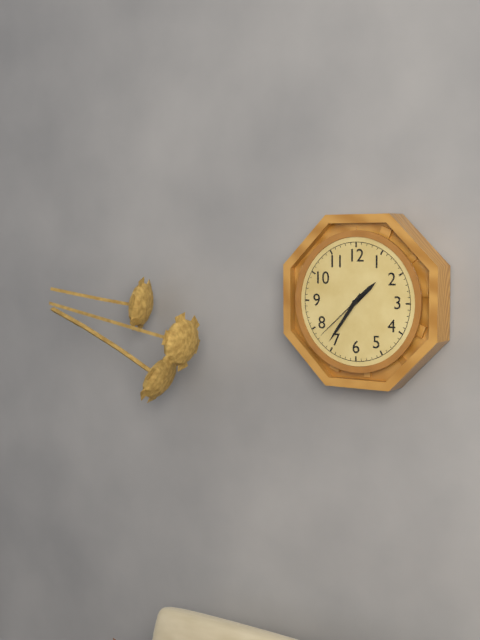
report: 1h36m38s
